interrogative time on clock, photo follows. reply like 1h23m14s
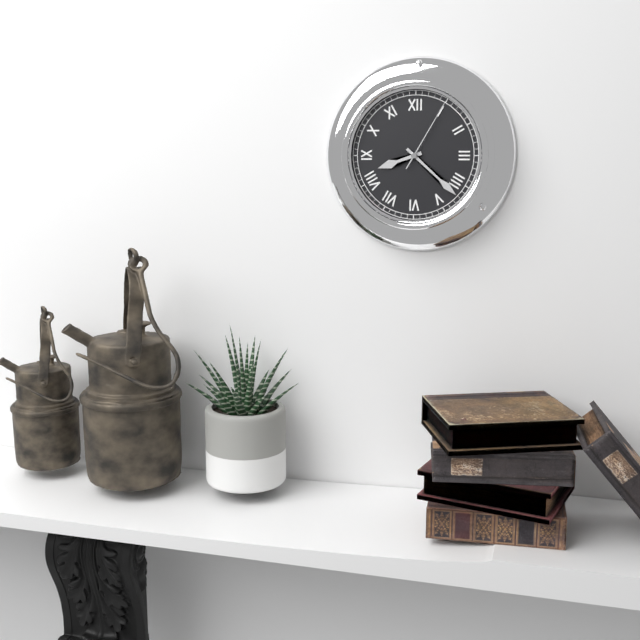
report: 8h22m05s
